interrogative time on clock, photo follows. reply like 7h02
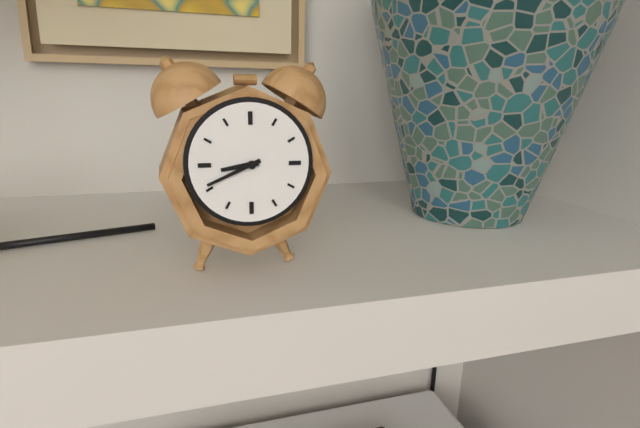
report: 8h41
